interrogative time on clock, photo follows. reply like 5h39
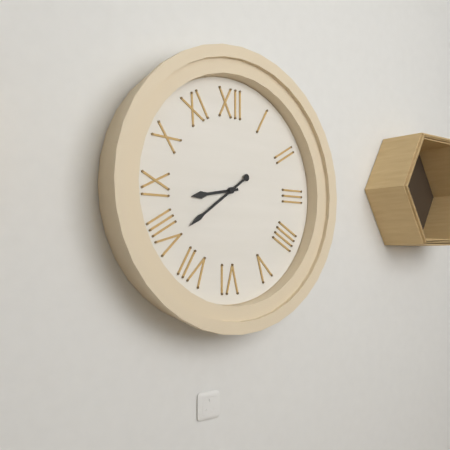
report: 8h39
